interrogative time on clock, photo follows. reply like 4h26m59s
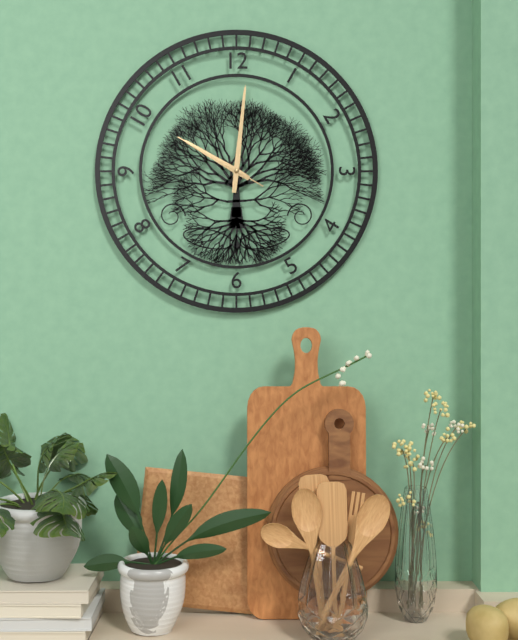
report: 10h01m50s
